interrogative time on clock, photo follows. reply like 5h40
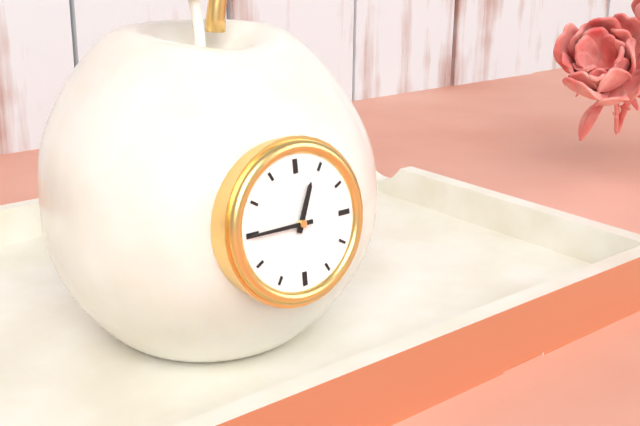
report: 12h45
